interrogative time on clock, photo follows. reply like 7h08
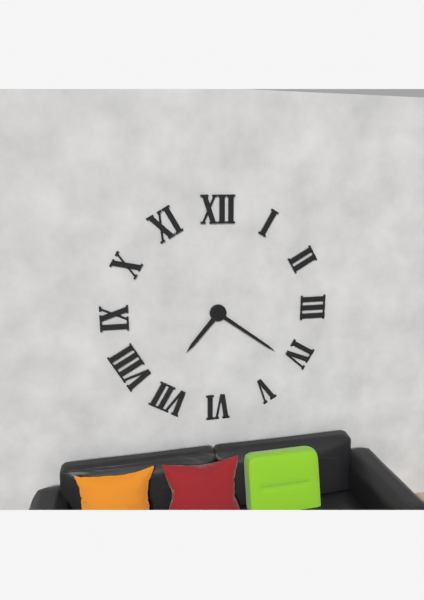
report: 7h21
